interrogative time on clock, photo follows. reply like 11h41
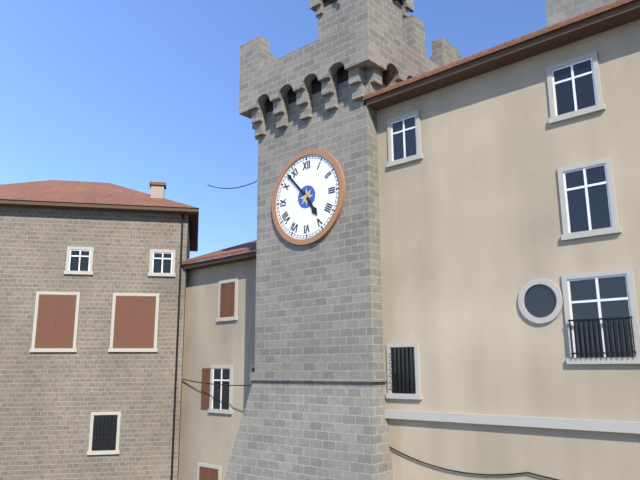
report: 4h53
